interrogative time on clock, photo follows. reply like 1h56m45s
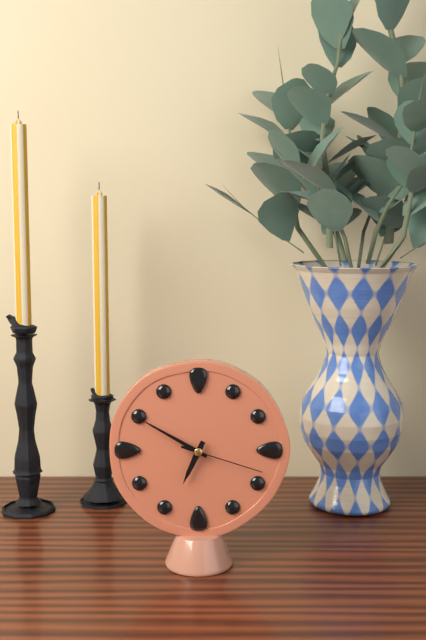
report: 6h50m18s
